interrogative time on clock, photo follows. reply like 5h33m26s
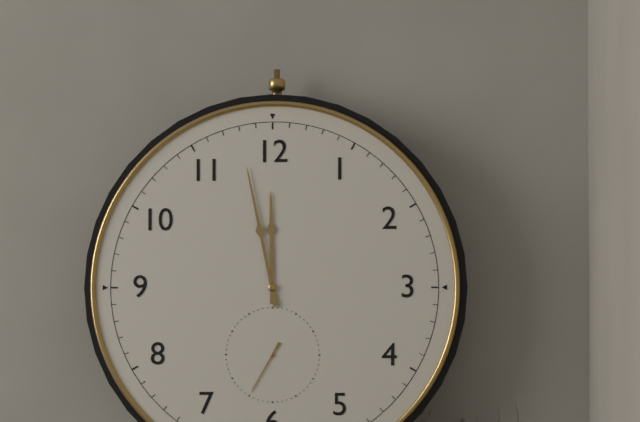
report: 11h58m35s
